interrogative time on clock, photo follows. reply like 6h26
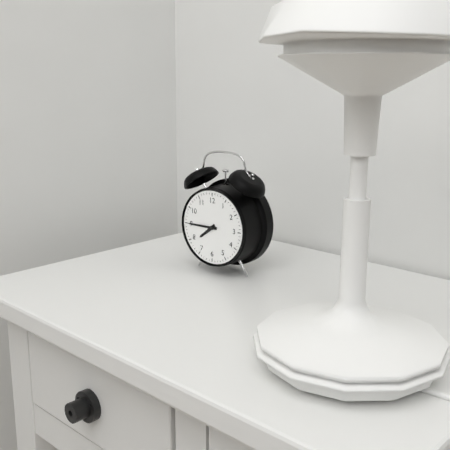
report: 7h45
